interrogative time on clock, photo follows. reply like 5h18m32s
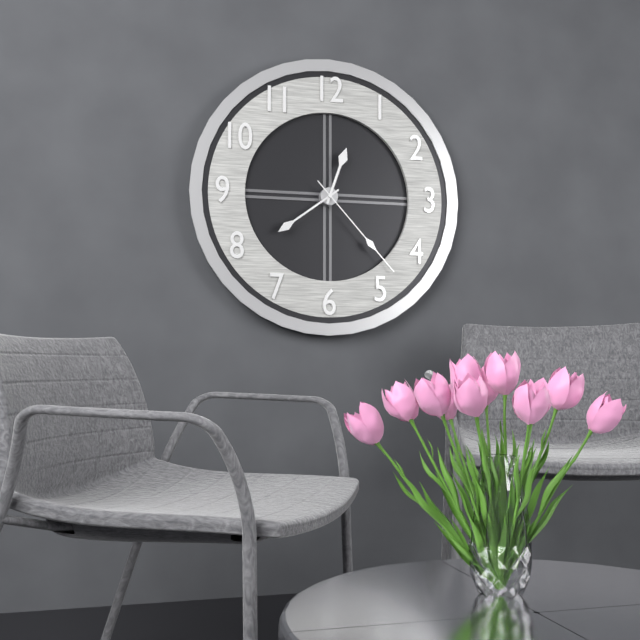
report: 12h39m23s
